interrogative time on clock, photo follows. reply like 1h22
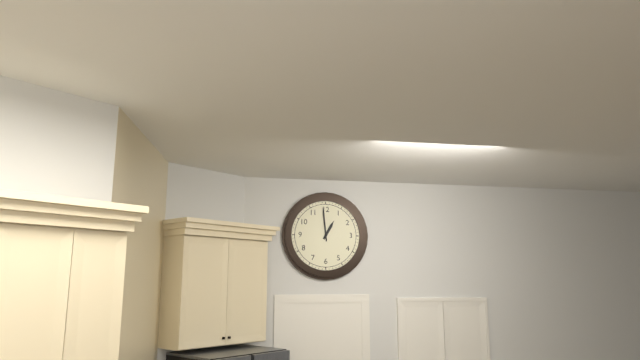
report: 12h59
